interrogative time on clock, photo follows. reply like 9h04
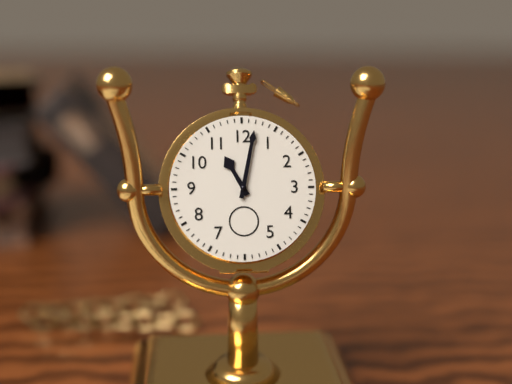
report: 11h02
